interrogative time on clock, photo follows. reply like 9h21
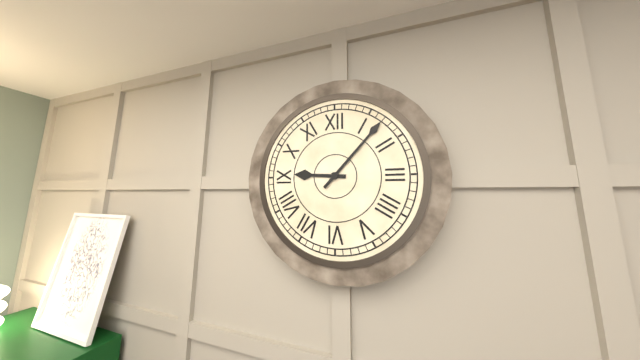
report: 9h07
